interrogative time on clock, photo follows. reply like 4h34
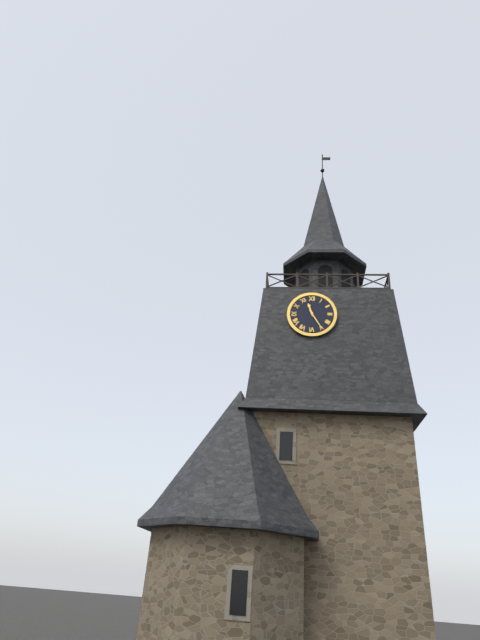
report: 11h25
